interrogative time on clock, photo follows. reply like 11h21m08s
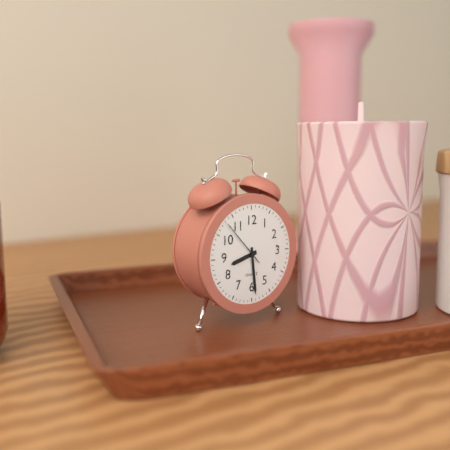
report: 8h29m53s
